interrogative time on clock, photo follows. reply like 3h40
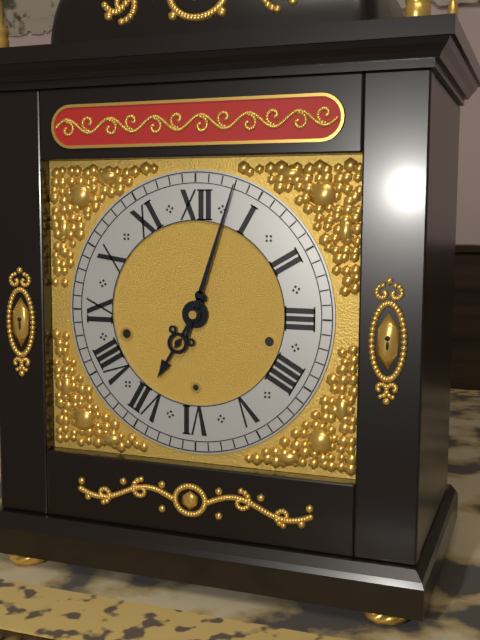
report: 7h03
